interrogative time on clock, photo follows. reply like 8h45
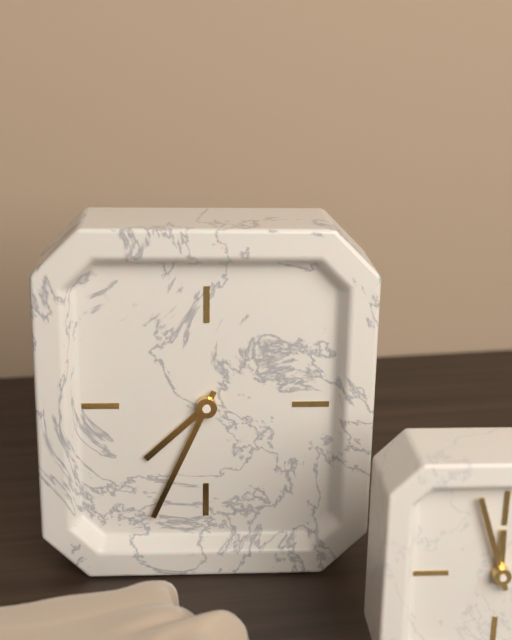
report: 7h34
